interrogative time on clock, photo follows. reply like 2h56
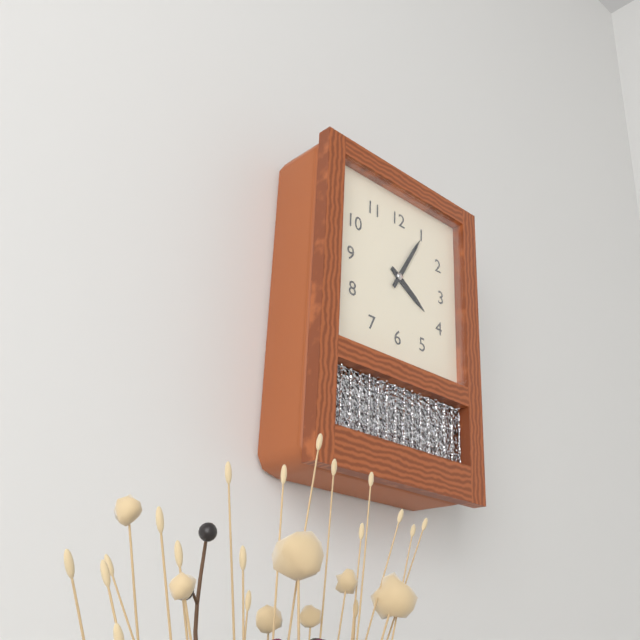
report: 4h05
